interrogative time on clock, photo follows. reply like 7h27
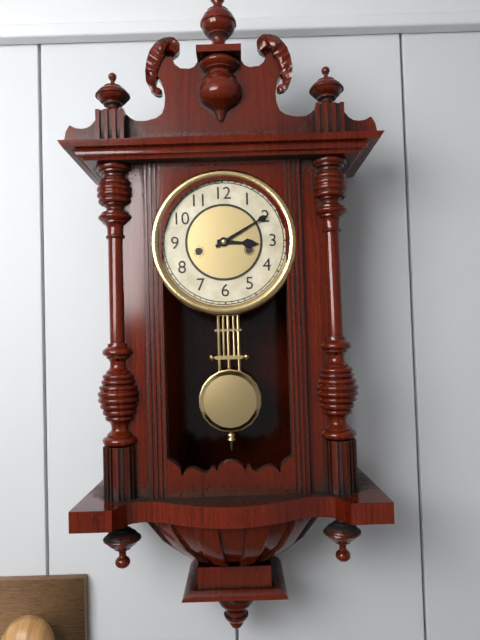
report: 3h10
